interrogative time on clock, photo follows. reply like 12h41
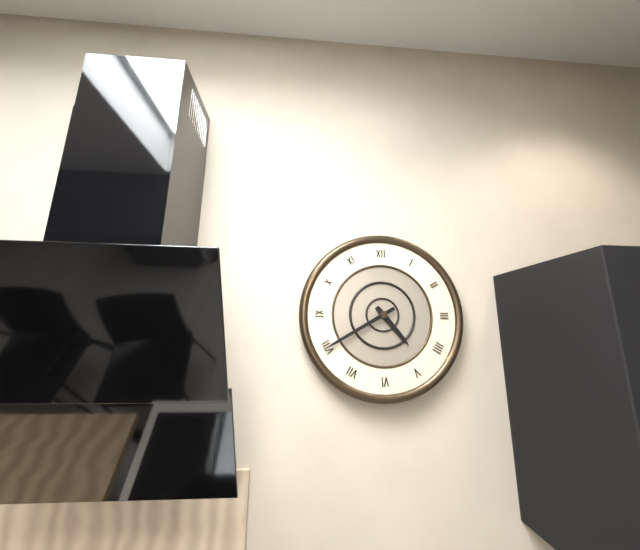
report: 4h40
